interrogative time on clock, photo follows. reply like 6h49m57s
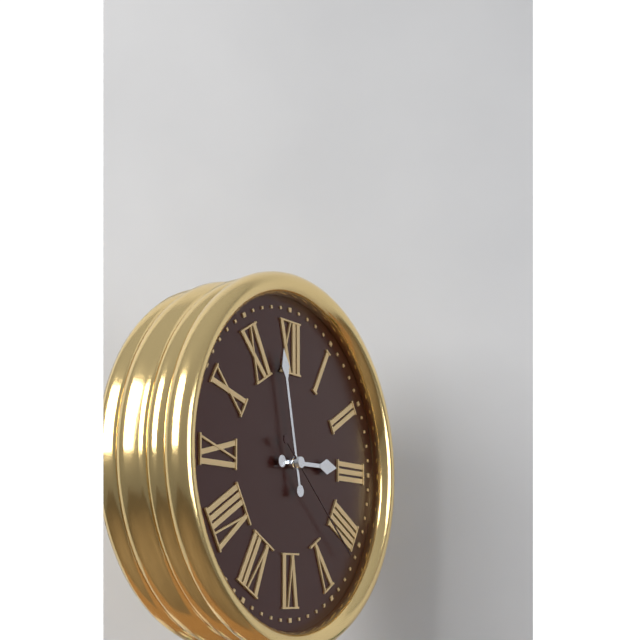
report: 2h58m22s
